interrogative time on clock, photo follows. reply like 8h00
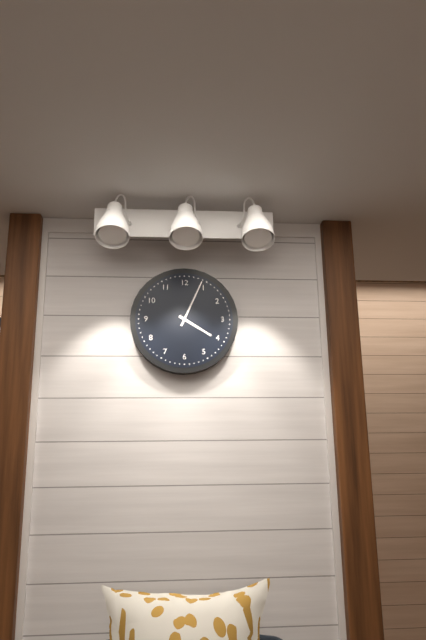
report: 4h04
